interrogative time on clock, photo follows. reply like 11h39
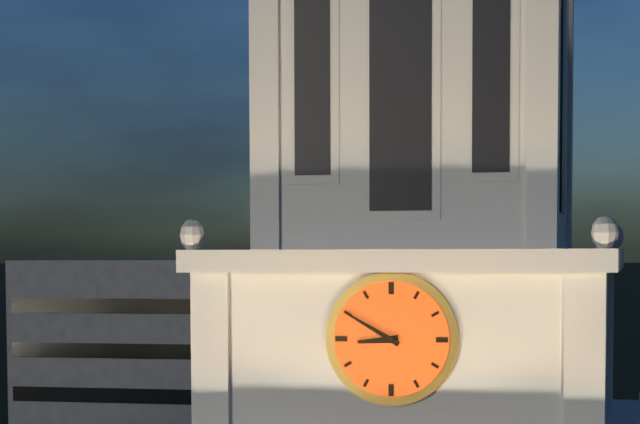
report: 8h50
